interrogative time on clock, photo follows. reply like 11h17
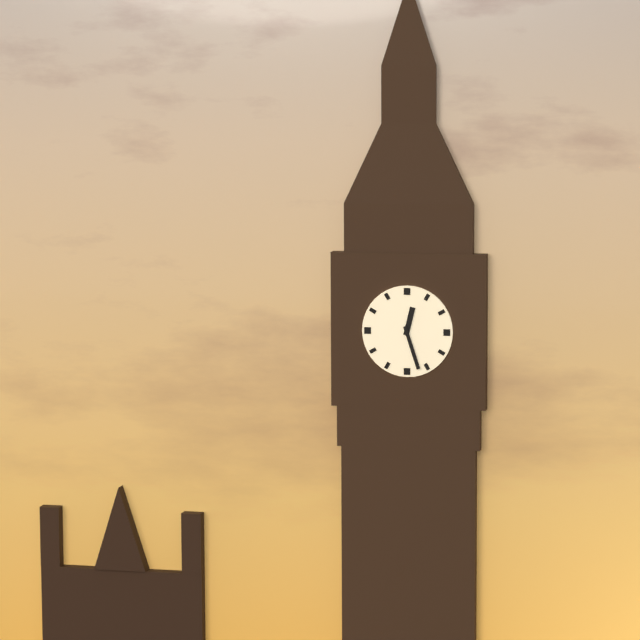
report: 12h27
